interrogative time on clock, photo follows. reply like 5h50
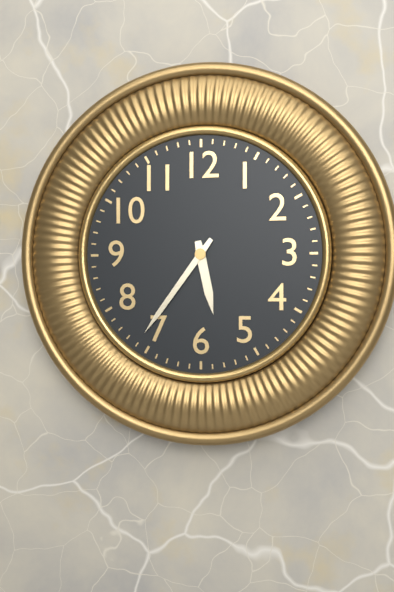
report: 5h36
